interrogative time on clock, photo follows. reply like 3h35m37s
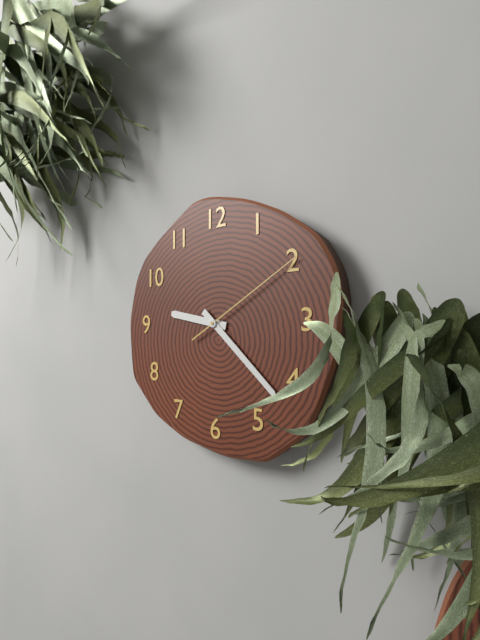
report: 9h22m10s
